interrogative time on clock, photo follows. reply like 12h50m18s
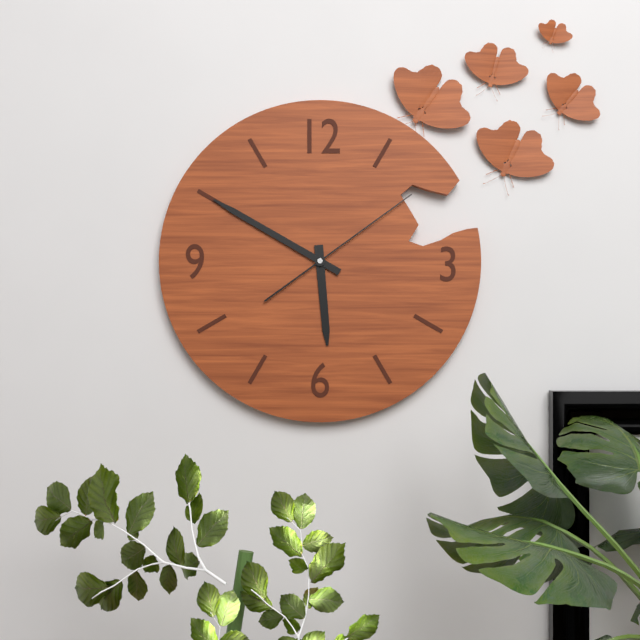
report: 5h50m09s
